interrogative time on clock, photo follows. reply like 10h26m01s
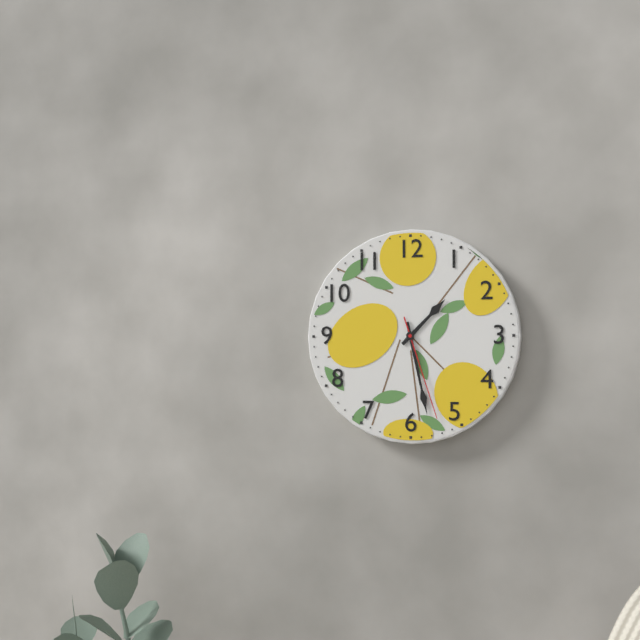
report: 1h28m27s
